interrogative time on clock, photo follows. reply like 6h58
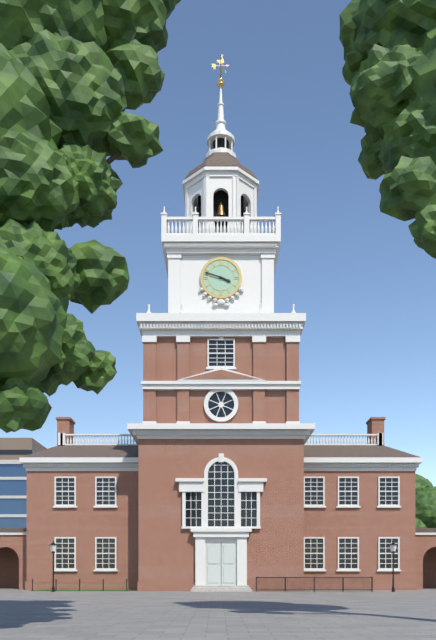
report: 3h48
